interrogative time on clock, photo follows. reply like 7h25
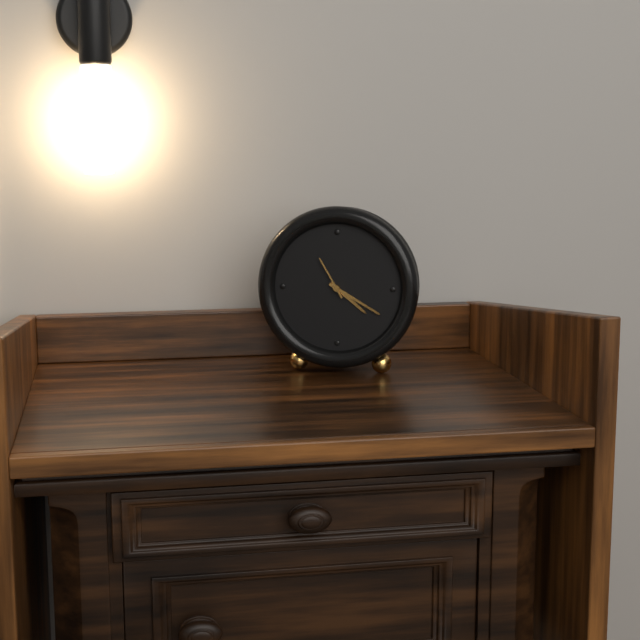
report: 4h20
